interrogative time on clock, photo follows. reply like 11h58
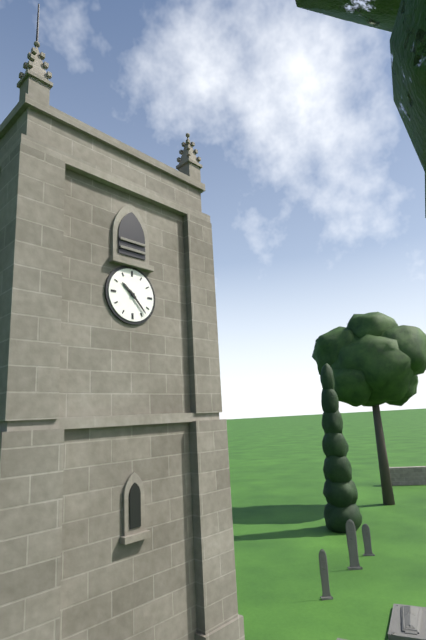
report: 10h23
